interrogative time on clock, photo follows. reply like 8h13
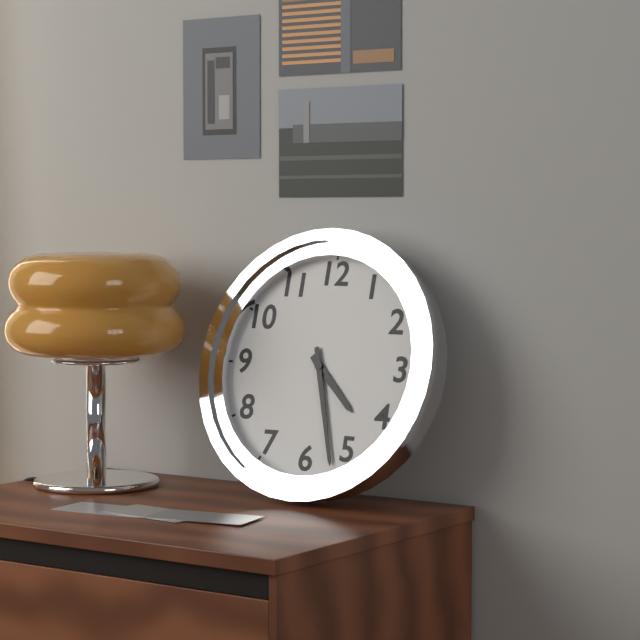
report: 4h27
